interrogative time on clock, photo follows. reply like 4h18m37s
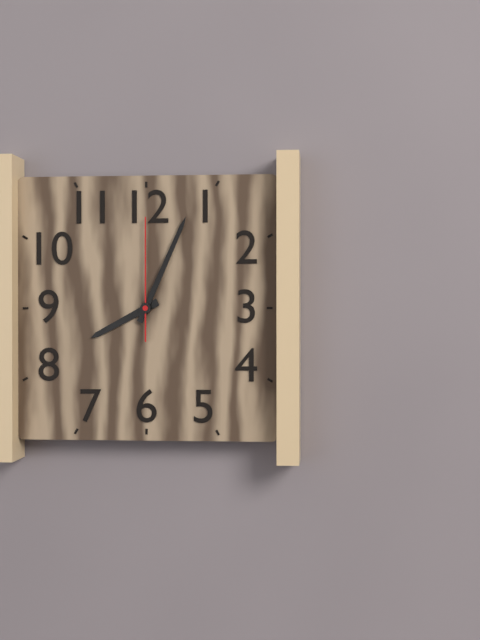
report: 8h04m00s
